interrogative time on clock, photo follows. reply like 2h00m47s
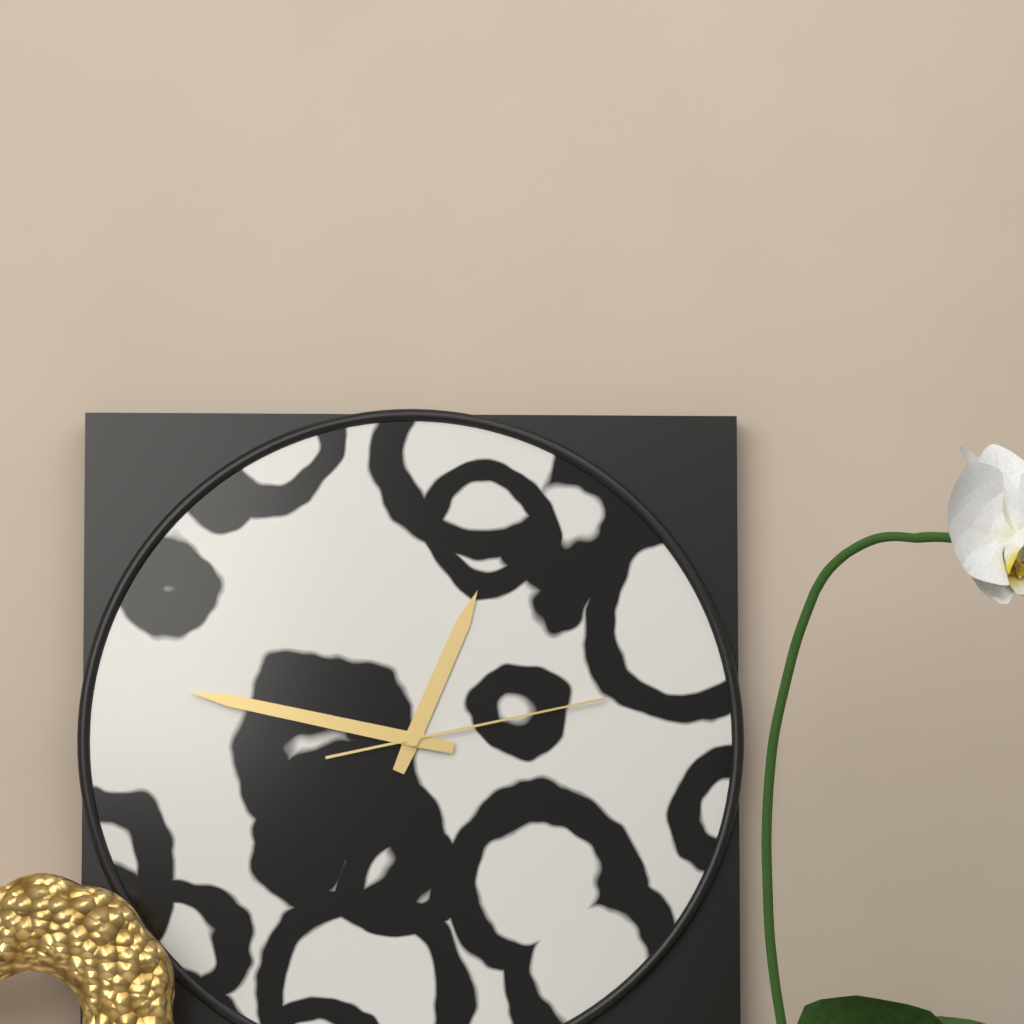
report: 12h47m13s
